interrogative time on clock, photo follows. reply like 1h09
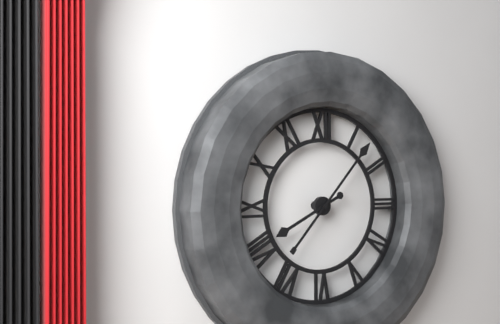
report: 8h07
